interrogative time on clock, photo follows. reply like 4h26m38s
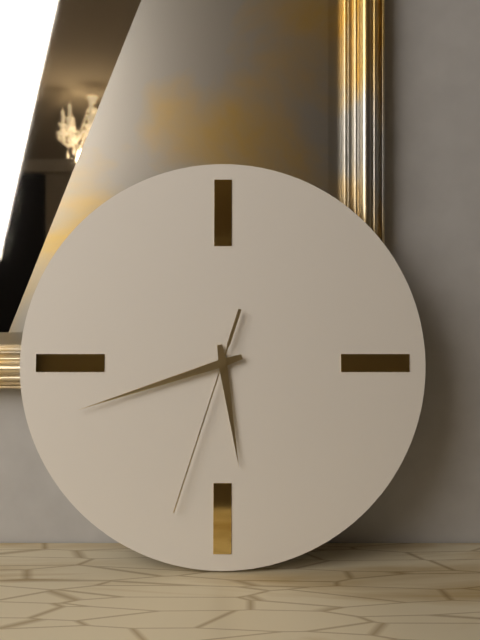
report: 5h42m33s
